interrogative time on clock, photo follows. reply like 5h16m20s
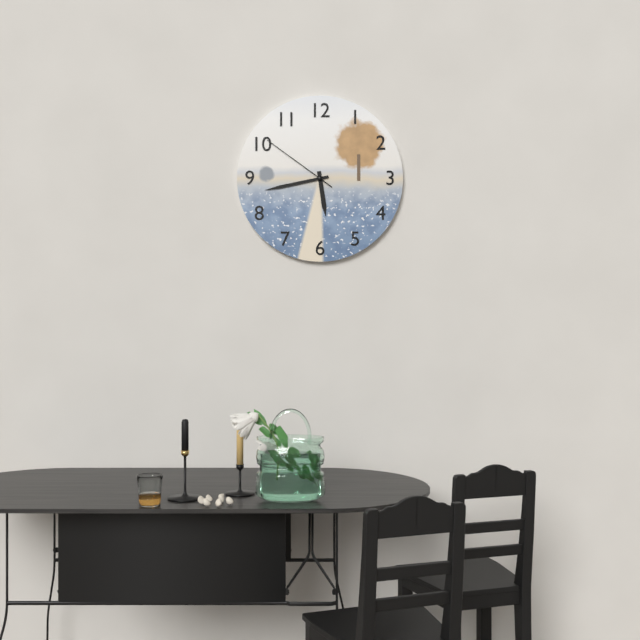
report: 5h43m51s
